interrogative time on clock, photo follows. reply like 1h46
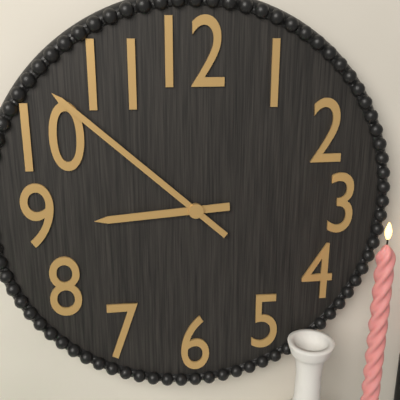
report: 8h52
